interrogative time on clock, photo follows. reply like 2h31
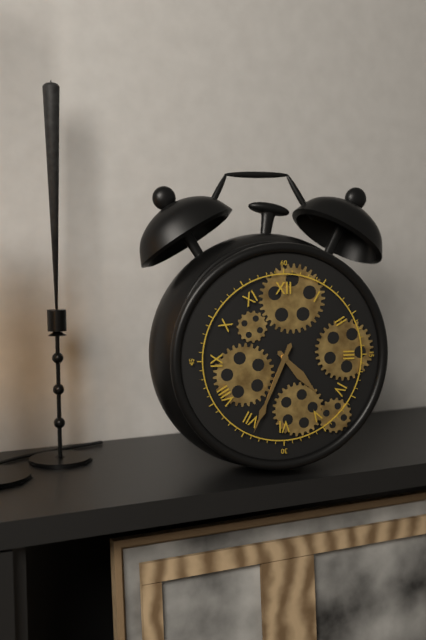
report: 4h34
